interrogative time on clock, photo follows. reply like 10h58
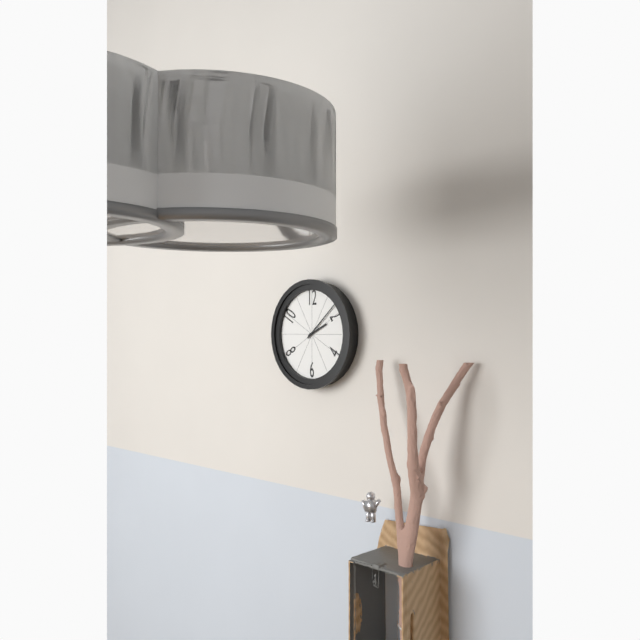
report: 2h08
